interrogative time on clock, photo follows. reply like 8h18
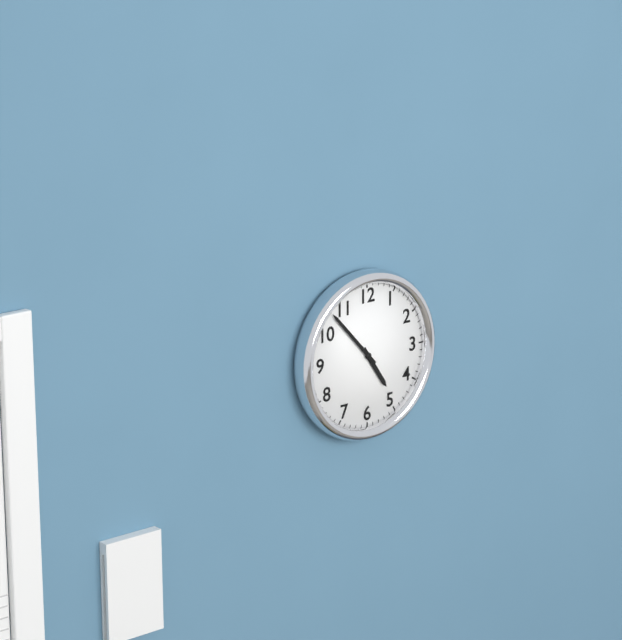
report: 4h53
